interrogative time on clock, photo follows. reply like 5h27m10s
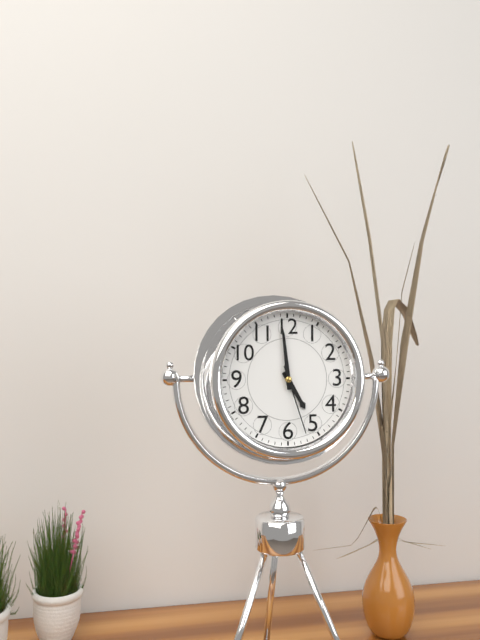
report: 4h59m27s
